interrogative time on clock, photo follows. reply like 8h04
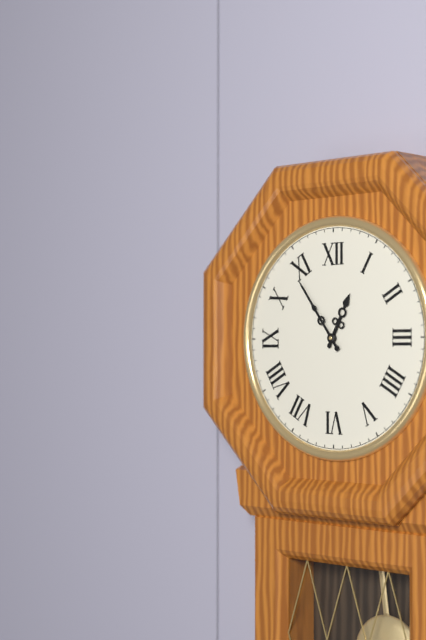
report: 12h54
